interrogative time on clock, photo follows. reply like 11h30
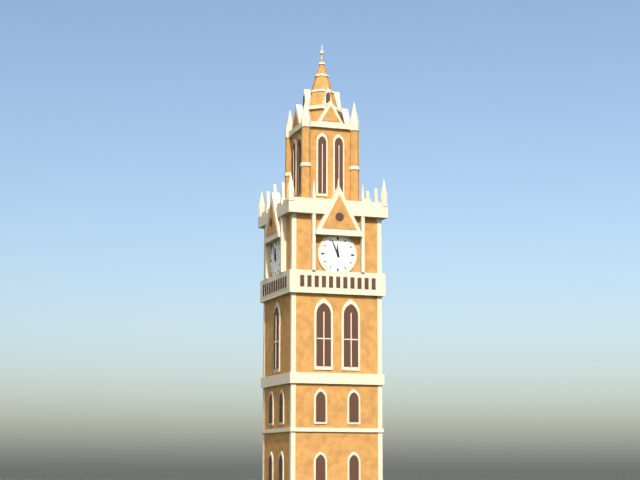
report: 11h56
